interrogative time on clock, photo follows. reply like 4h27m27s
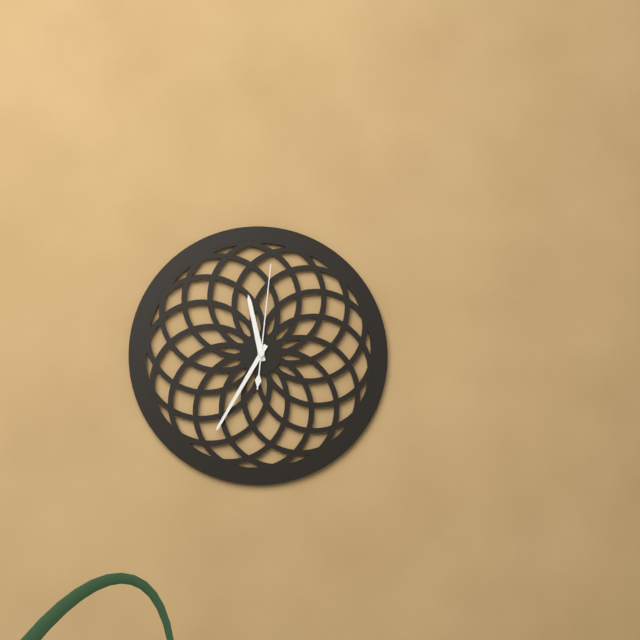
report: 11h35m01s
